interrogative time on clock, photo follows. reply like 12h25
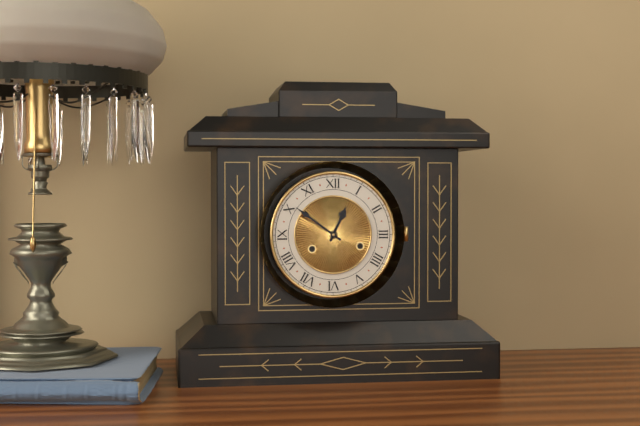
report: 12h51
